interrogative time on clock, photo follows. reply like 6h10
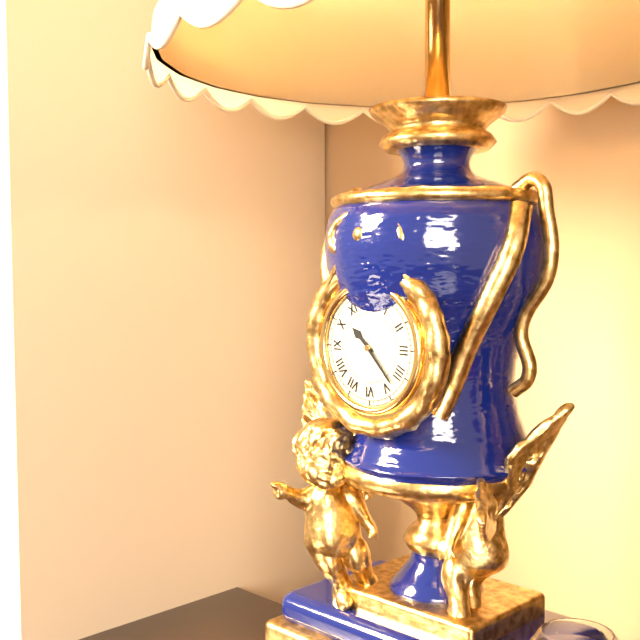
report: 10h23
